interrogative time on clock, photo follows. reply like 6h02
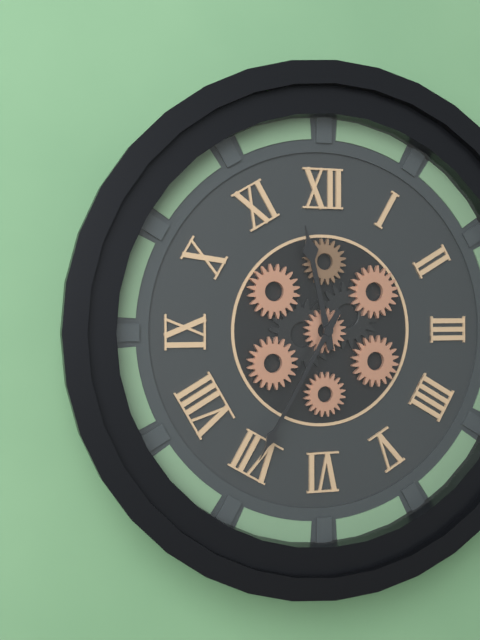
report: 11h35
